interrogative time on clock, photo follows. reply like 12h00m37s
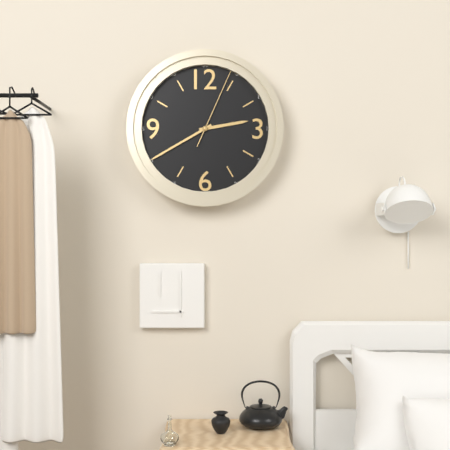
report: 2h40m04s
